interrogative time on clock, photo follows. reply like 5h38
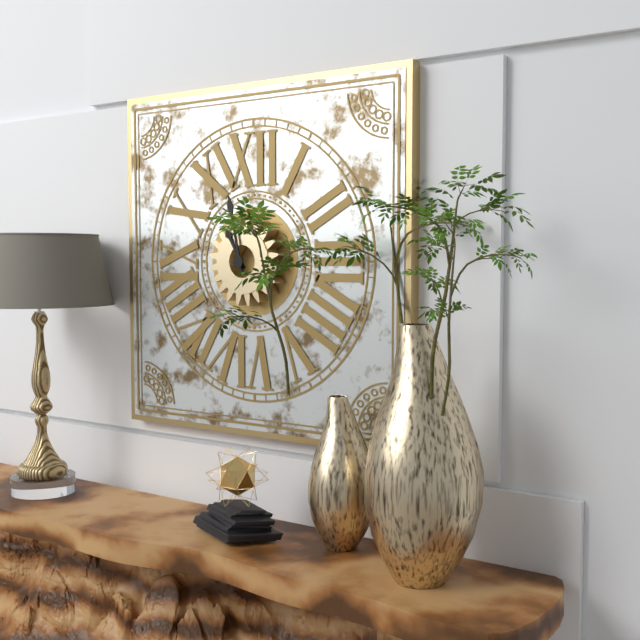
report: 10h58
